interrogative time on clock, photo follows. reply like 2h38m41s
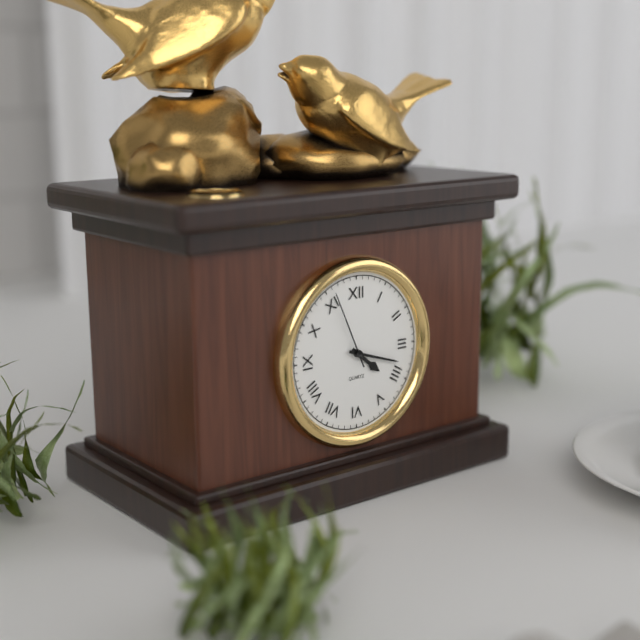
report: 4h18m56s
